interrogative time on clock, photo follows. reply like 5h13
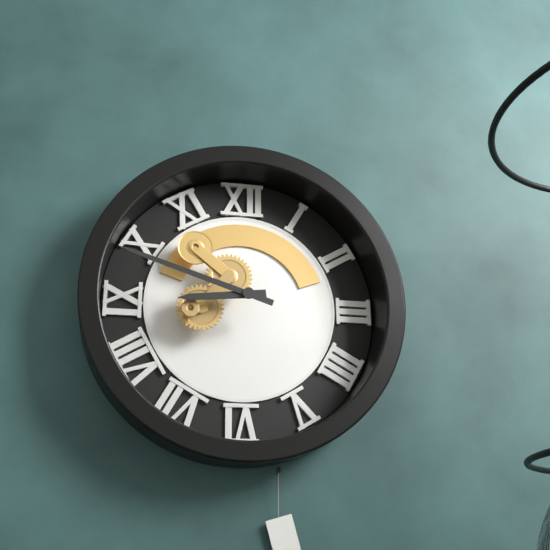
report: 8h48
